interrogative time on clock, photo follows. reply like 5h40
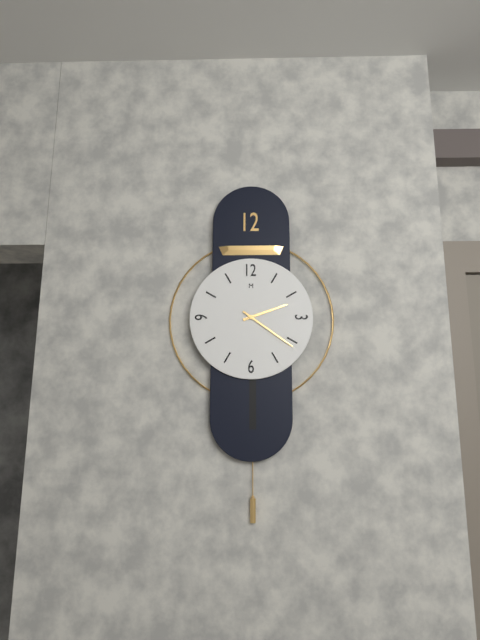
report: 2h21
